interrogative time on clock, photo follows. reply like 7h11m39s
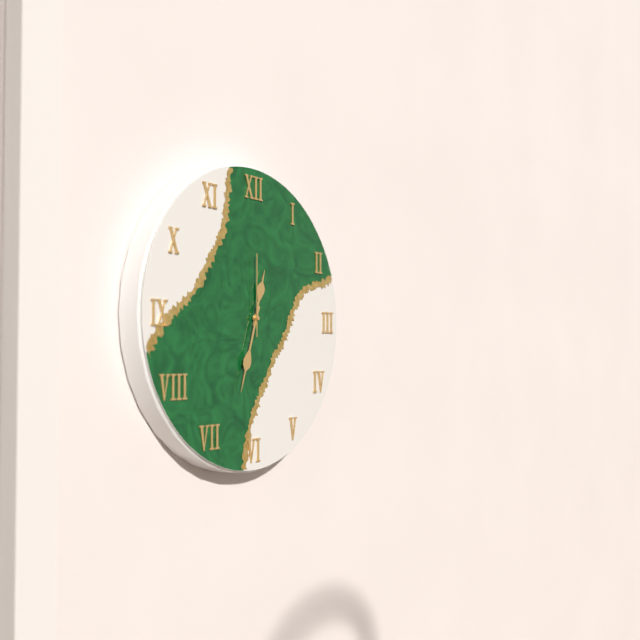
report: 12h33m00s
